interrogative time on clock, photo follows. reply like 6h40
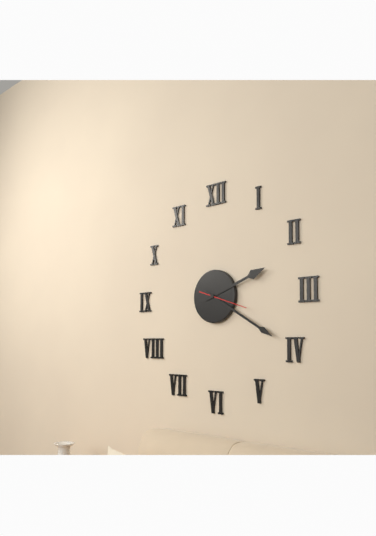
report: 2h20
